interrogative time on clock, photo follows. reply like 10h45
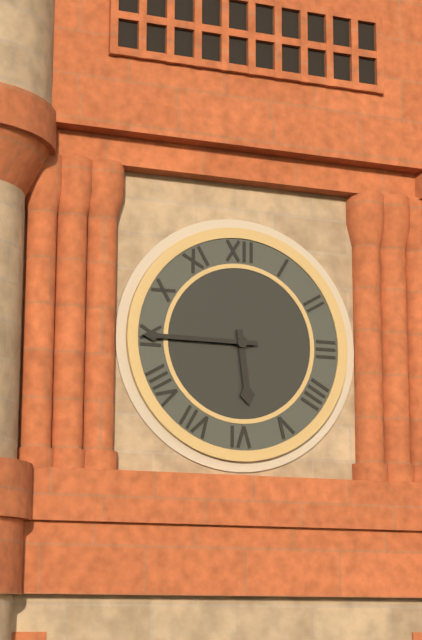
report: 5h45
